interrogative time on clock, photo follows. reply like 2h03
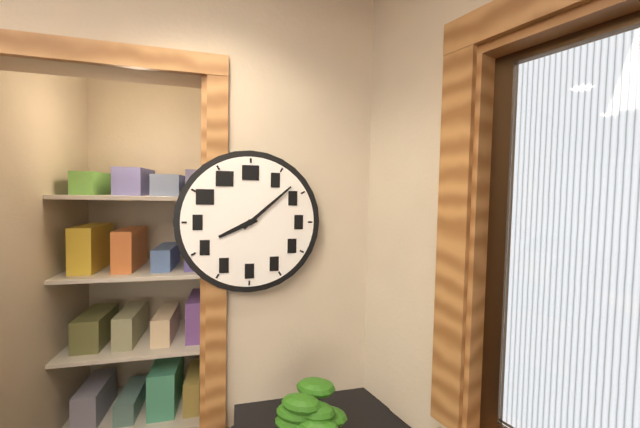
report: 8h08
